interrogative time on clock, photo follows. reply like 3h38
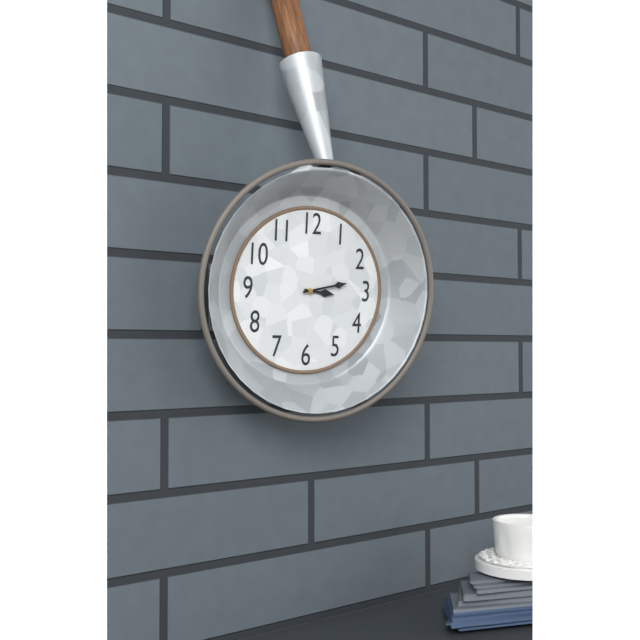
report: 3h13
